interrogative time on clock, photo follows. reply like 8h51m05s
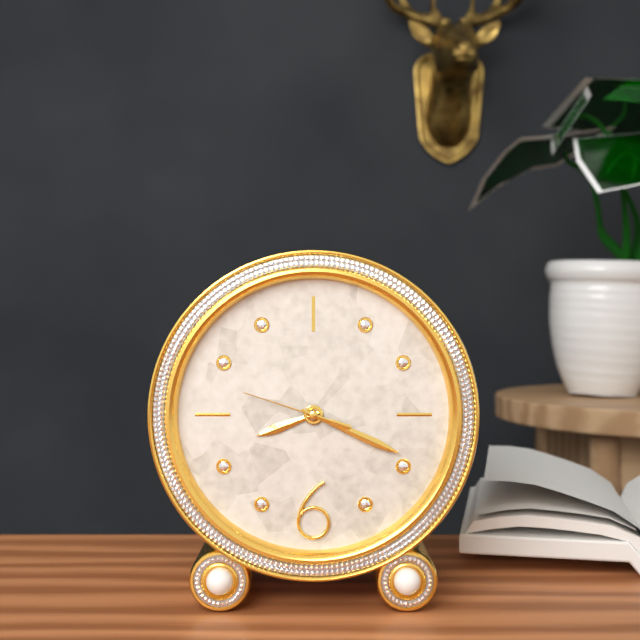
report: 8h19m48s
